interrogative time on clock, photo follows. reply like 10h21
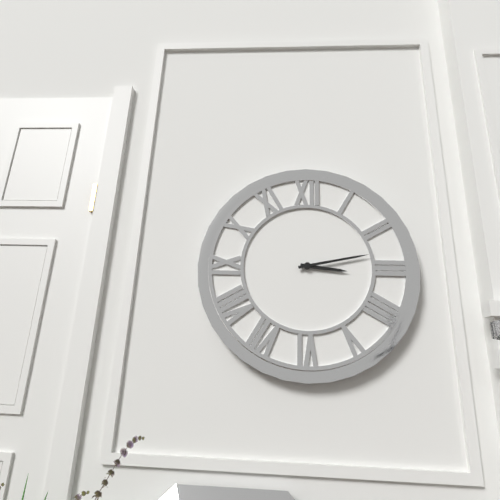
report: 3h13
